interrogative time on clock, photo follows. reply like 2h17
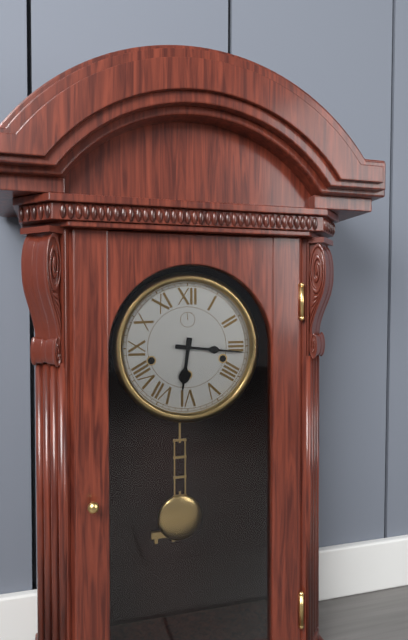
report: 6h16
